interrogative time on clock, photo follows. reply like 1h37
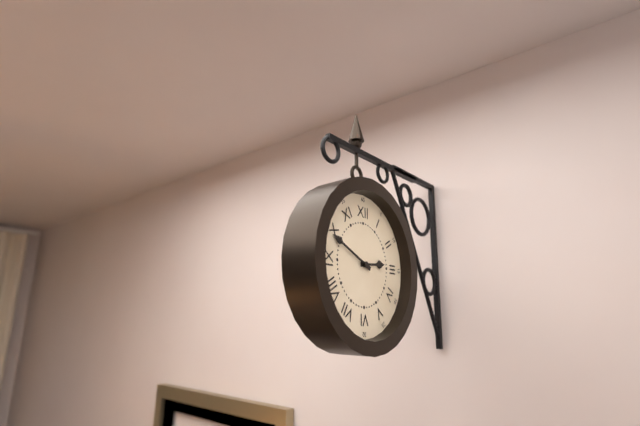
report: 2h49
